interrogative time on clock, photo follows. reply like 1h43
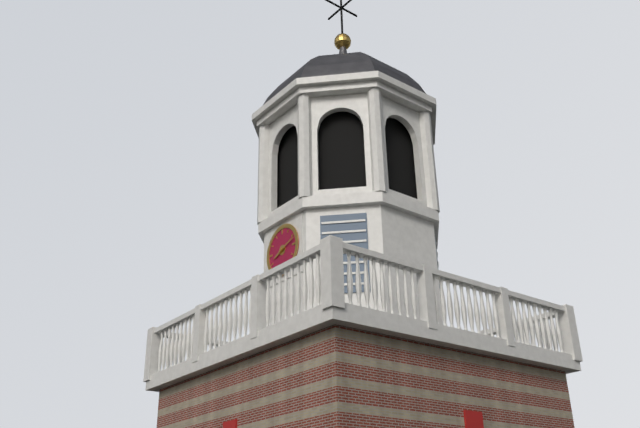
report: 8h12
